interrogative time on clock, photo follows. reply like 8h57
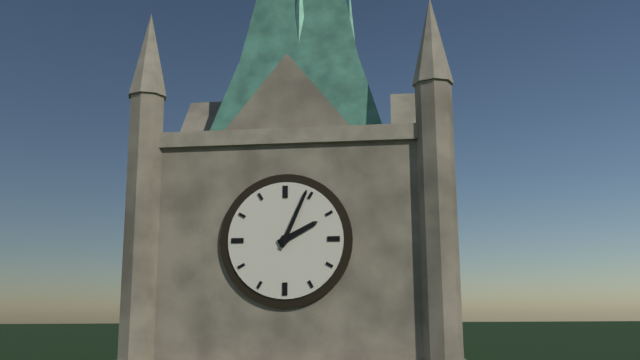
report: 2h04
